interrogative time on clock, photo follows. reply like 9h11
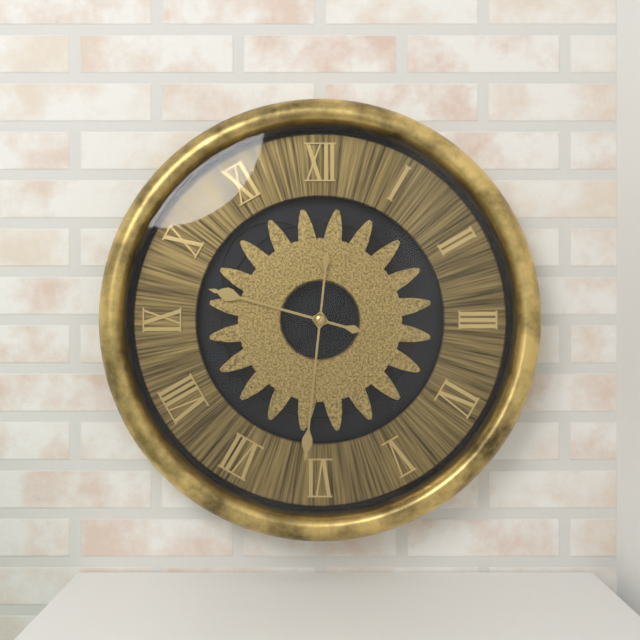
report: 9h31
